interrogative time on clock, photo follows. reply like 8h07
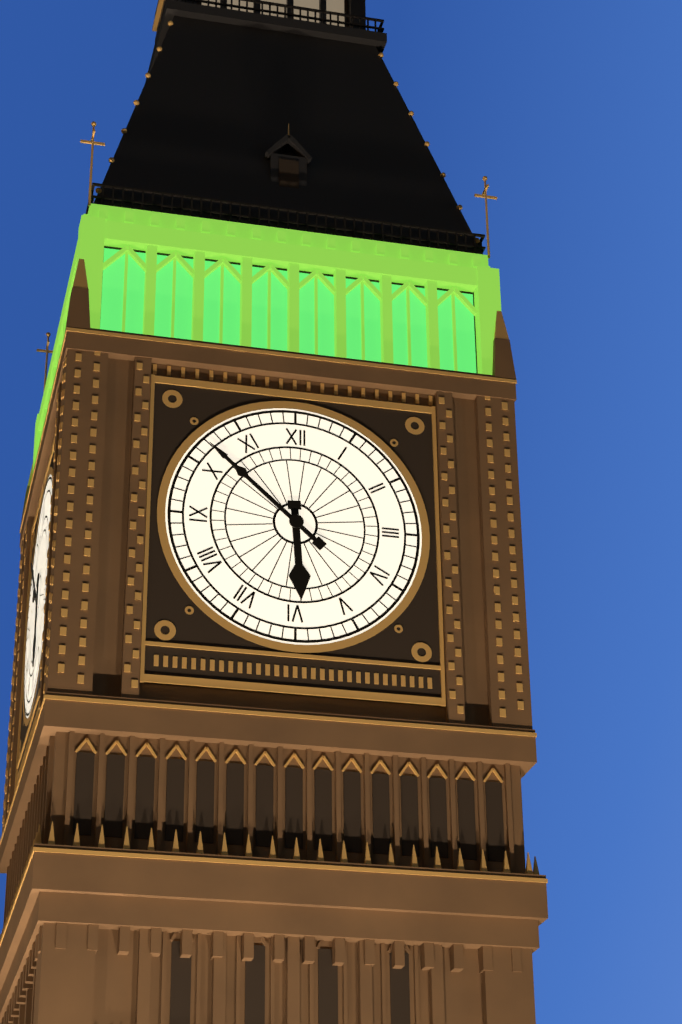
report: 5h52
